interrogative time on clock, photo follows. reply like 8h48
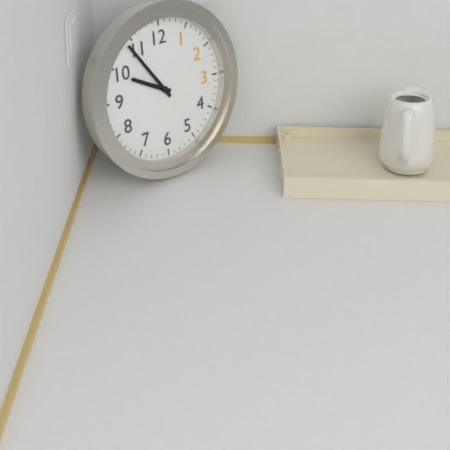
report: 9h54
